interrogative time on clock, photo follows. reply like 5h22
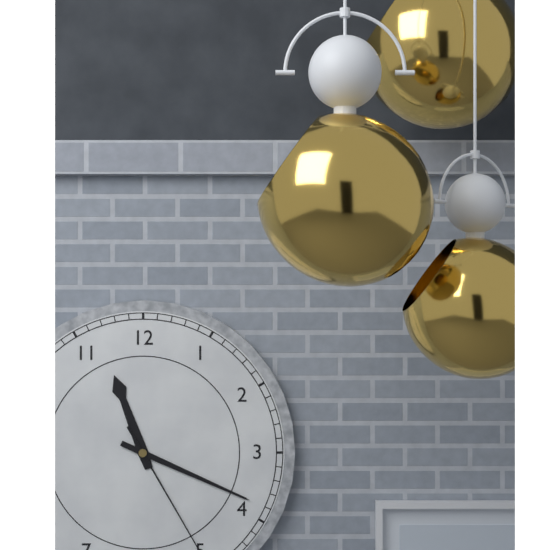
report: 11h19
